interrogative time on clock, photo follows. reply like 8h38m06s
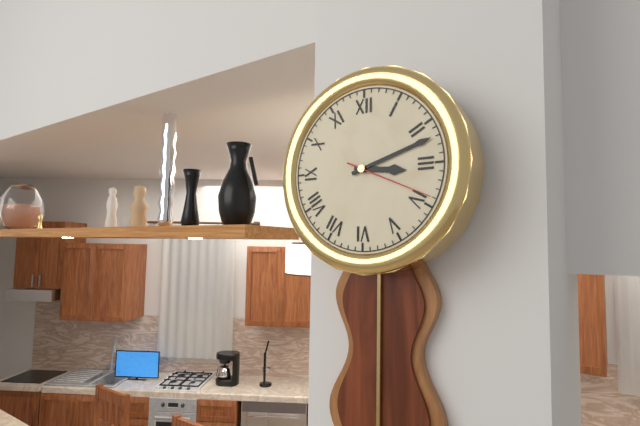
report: 3h12m19s
